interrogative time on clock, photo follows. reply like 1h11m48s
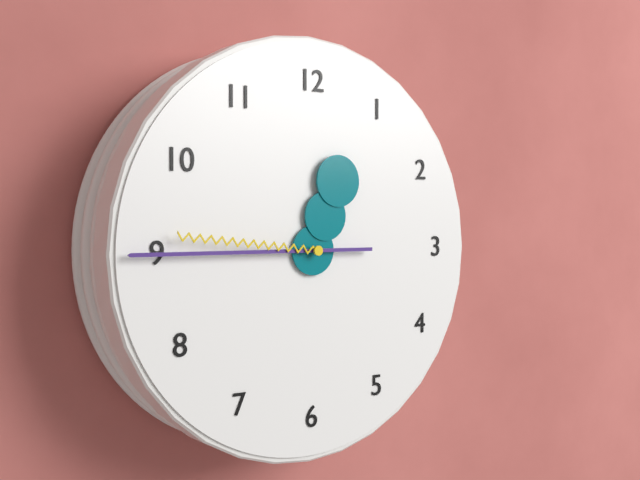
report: 12h45m46s
